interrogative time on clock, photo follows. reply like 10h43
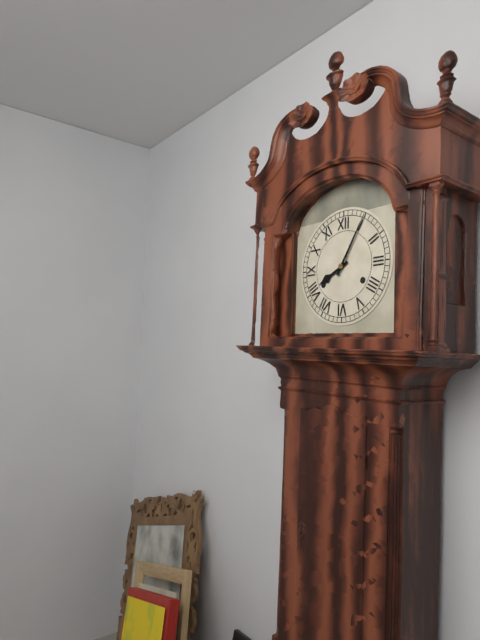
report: 8h05
